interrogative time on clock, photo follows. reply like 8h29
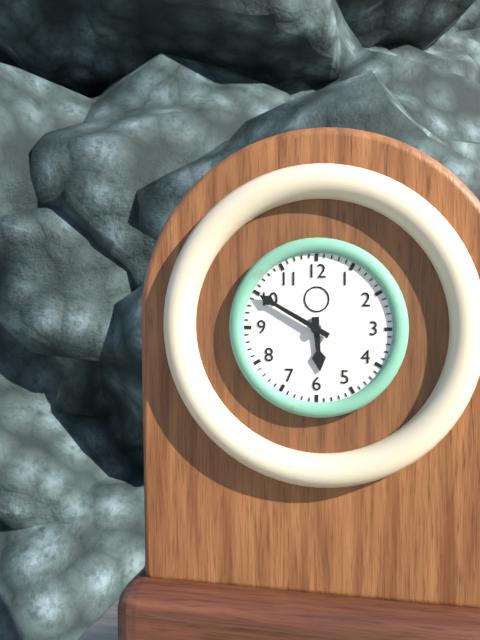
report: 5h50
